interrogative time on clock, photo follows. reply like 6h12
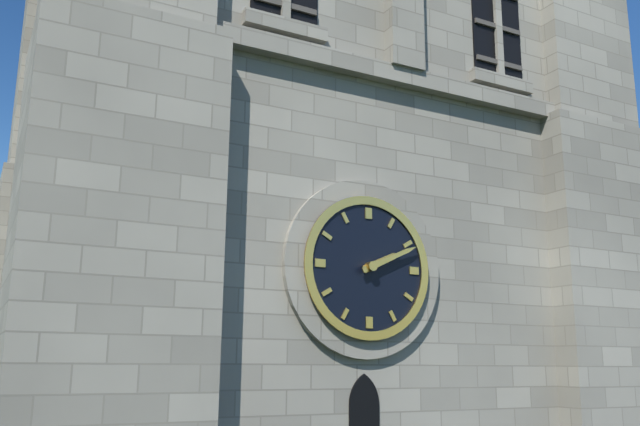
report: 2h11
